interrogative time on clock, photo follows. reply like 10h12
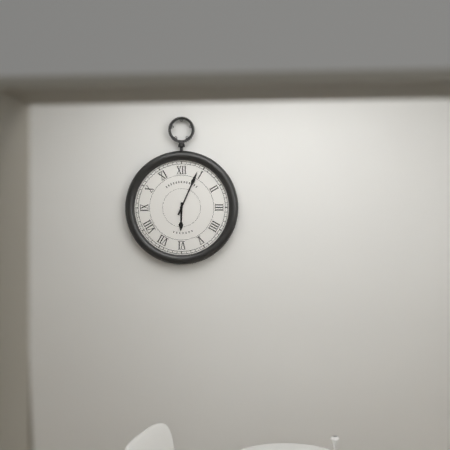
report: 6h04
